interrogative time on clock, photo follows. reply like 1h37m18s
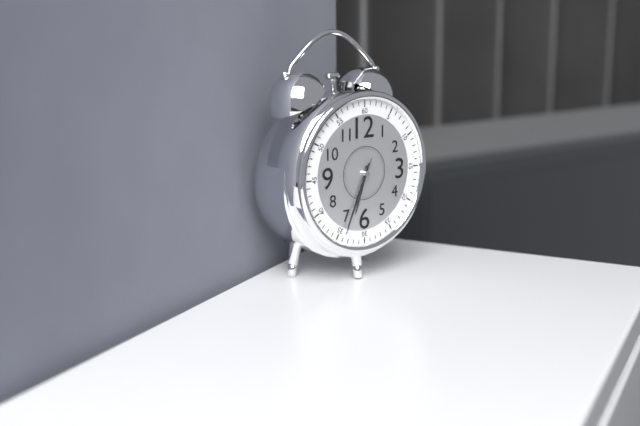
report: 6h34m34s
